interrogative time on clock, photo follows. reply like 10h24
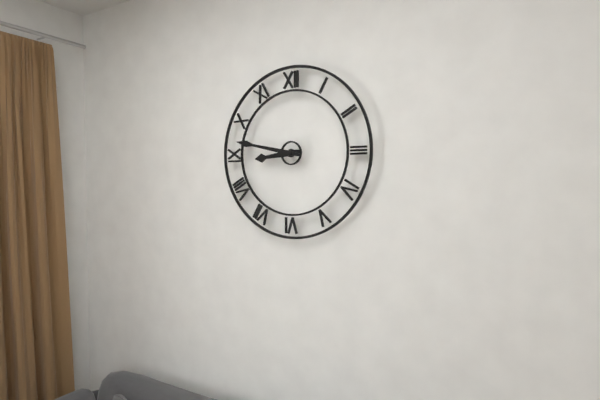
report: 8h47
